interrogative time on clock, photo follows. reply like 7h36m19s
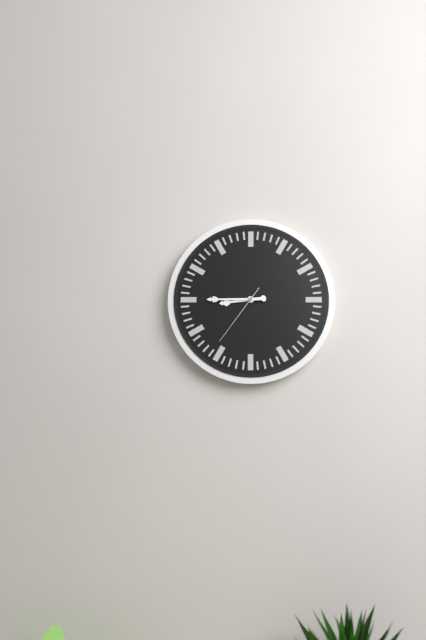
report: 8h45m36s
